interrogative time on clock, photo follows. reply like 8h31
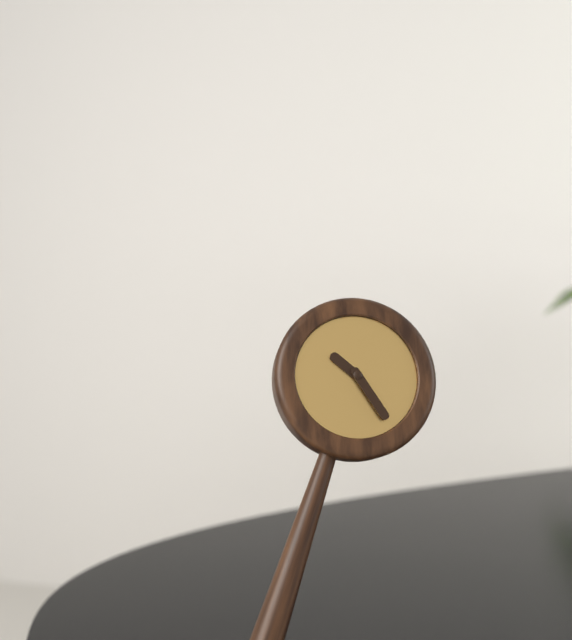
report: 10h25
